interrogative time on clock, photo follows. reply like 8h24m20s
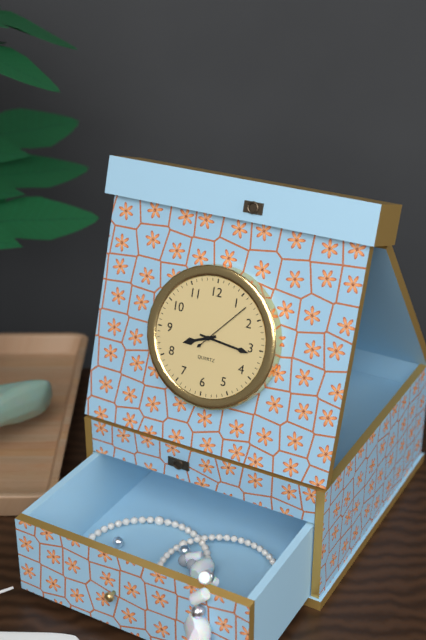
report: 8h16m07s
